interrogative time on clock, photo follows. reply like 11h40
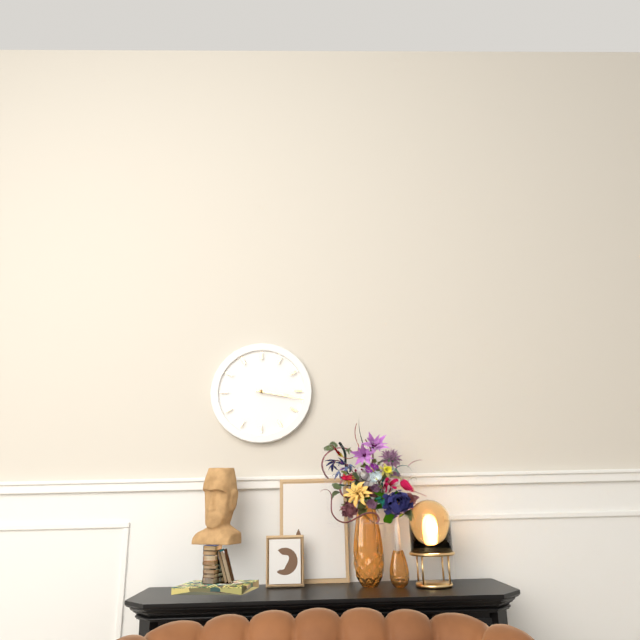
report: 3h17
